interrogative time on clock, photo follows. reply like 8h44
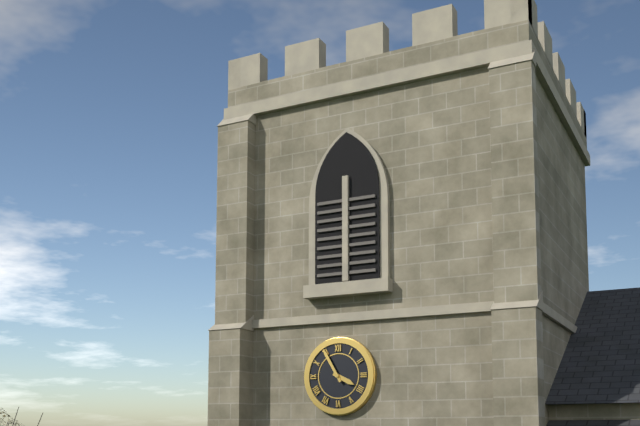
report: 3h55
